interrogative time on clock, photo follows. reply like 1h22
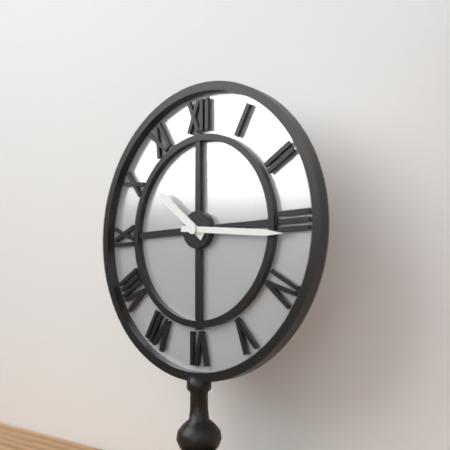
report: 10h16
